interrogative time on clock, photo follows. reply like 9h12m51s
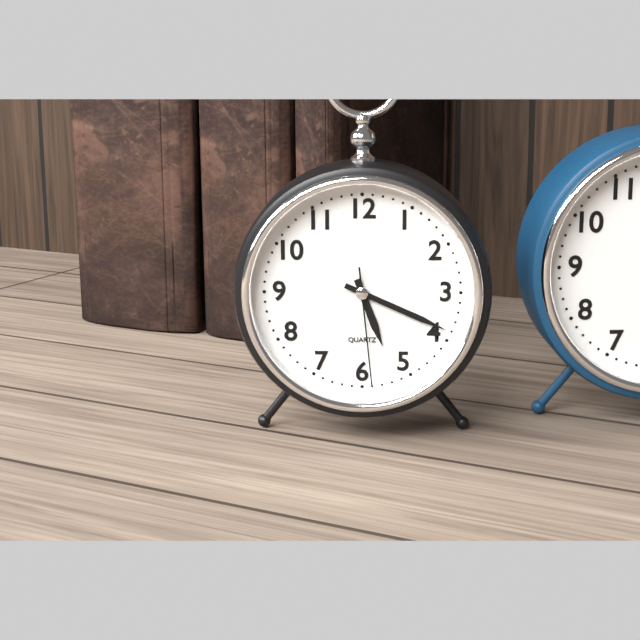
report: 5h19m29s
